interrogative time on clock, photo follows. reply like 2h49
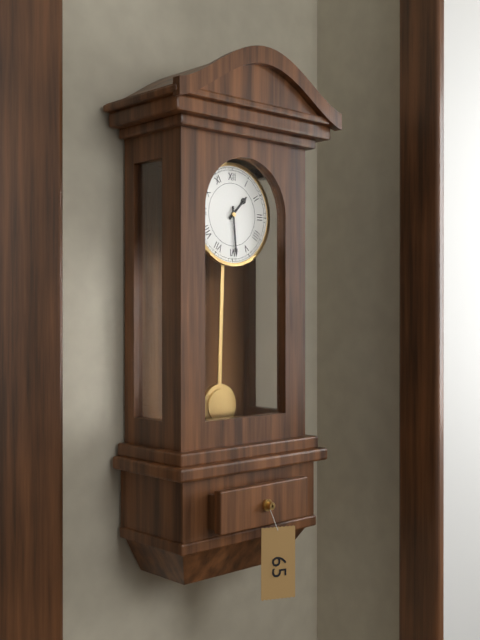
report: 1h29
